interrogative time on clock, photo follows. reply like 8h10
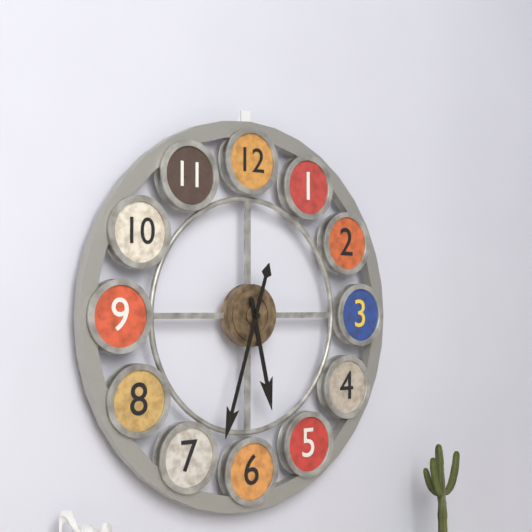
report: 5h33
